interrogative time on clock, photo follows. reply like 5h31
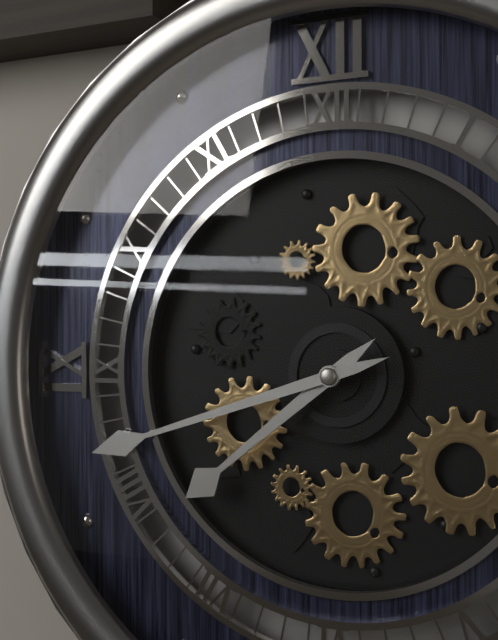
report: 7h42
